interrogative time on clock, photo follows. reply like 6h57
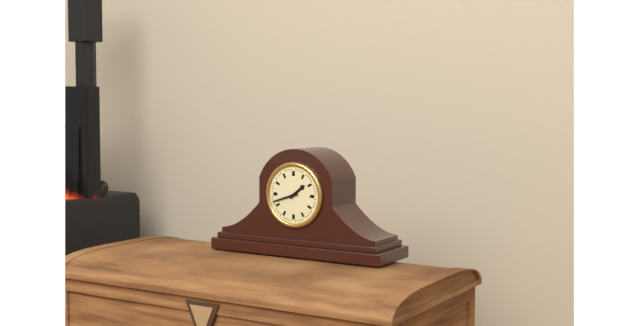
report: 1h42
